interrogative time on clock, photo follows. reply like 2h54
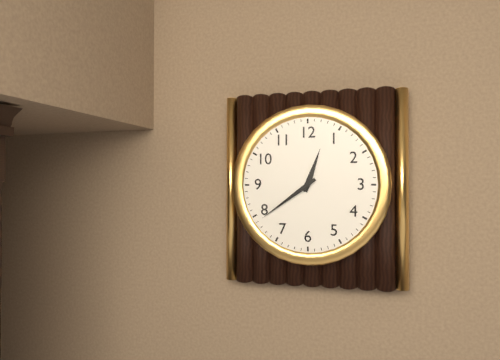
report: 12h39
